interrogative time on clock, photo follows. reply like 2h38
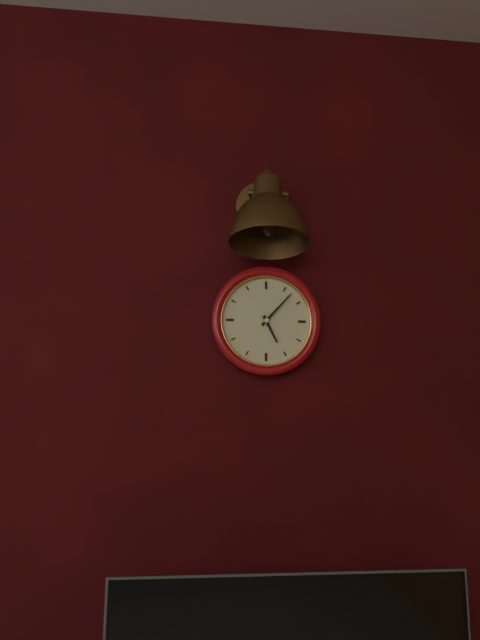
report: 5h07
